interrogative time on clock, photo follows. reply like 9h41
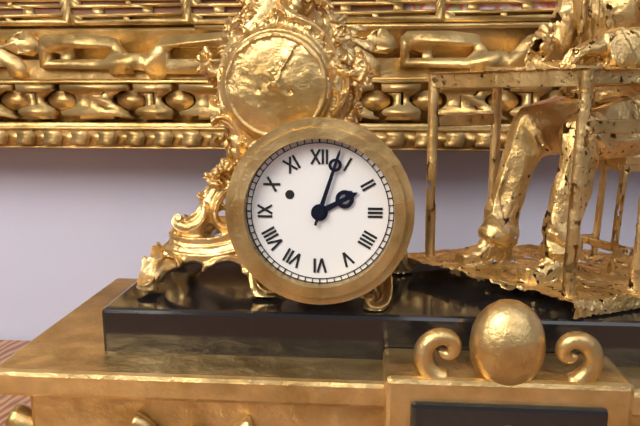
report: 2h03
